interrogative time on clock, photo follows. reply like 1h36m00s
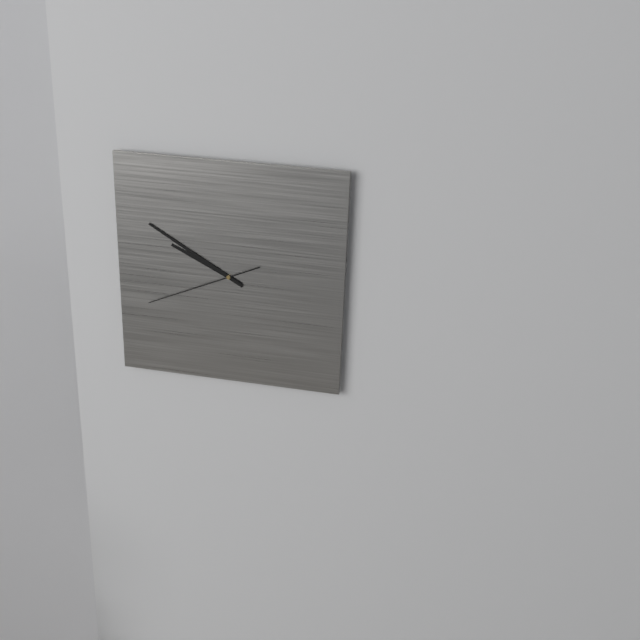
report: 9h50m41s
